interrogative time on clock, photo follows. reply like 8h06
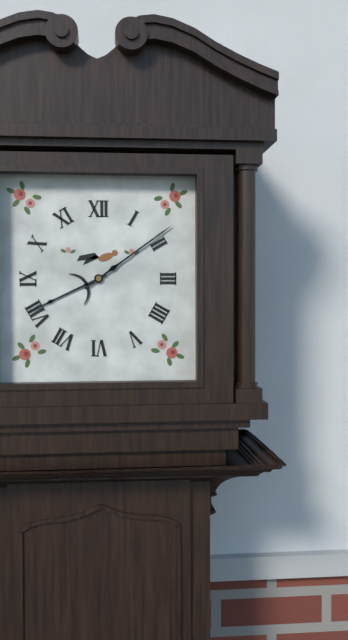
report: 8h09
